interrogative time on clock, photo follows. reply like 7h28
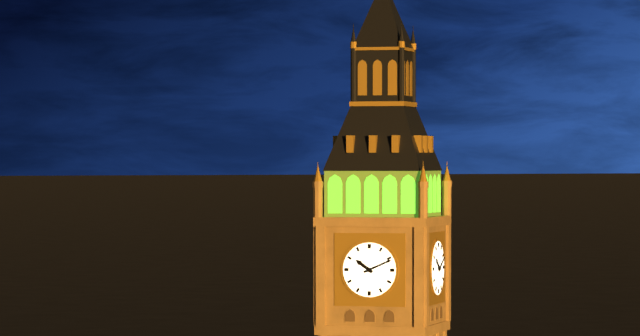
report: 10h11
